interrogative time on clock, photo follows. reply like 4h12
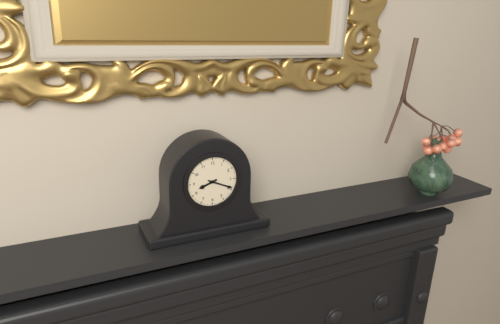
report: 8h19
